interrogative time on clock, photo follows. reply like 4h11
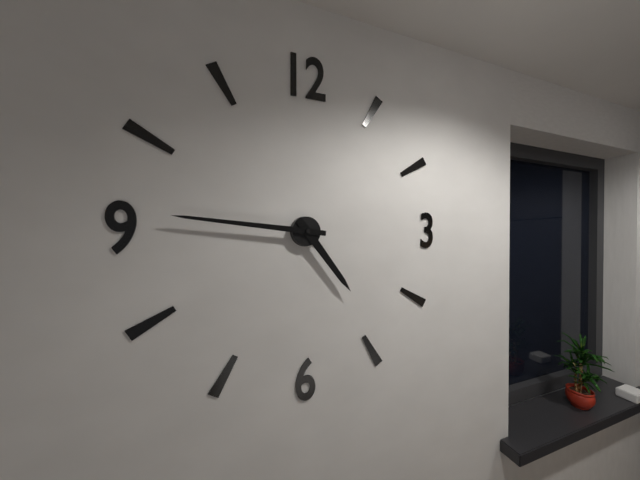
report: 4h46
